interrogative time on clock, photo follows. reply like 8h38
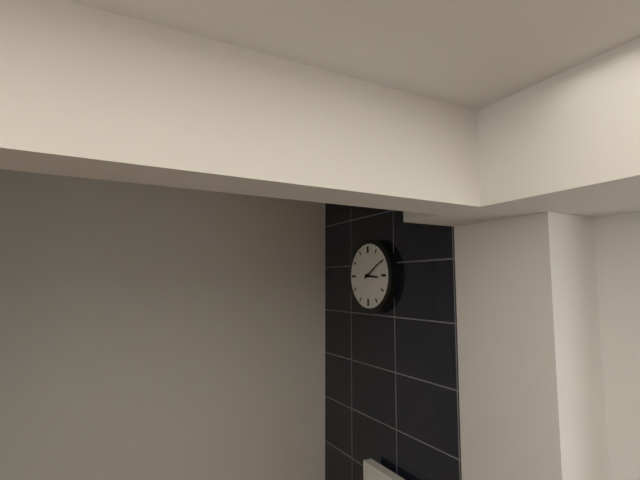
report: 3h10
